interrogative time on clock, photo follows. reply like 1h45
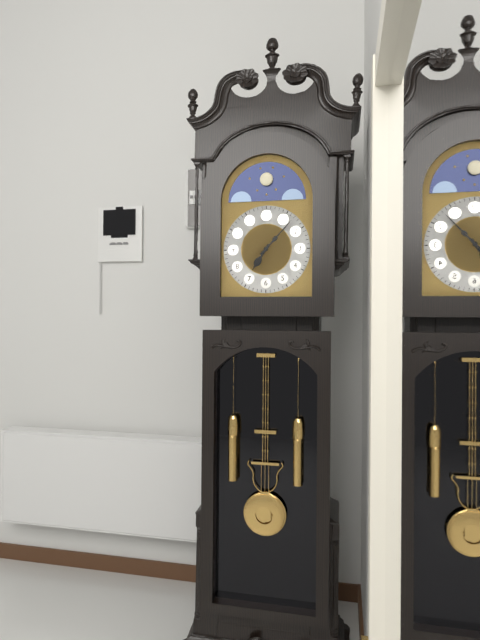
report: 7h07
